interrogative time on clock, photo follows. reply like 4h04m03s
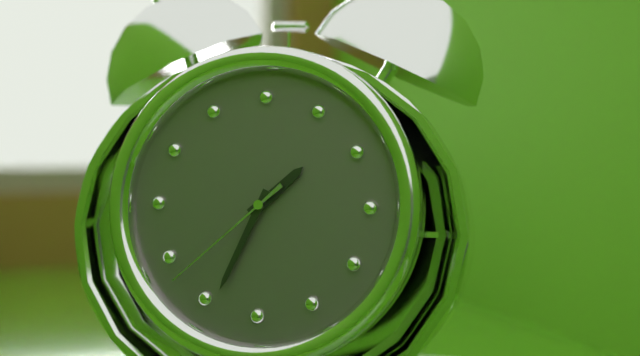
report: 1h34m38s
